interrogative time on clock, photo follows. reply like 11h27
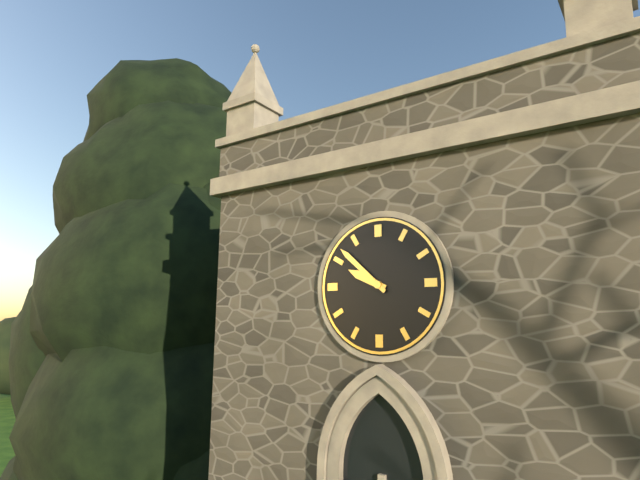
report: 9h52
